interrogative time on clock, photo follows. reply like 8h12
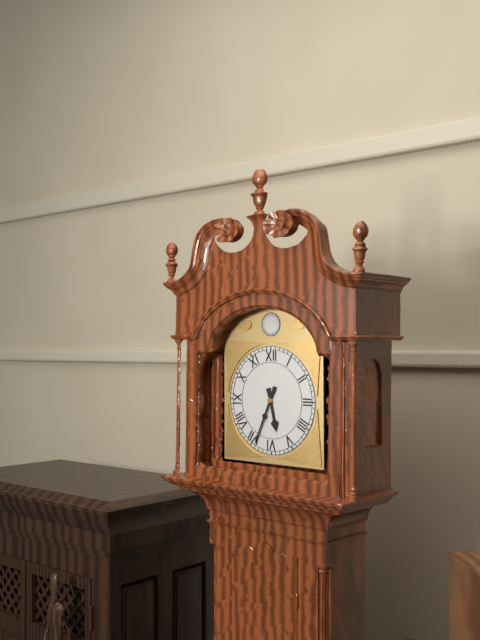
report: 5h34
